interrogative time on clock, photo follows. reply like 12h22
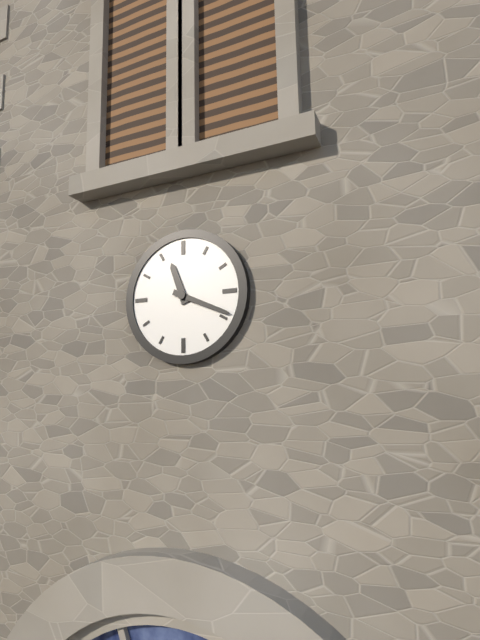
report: 11h19
